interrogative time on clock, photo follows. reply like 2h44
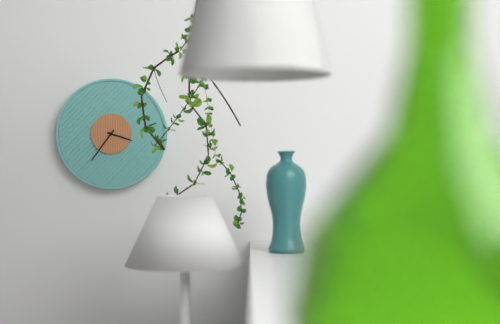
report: 3h36
